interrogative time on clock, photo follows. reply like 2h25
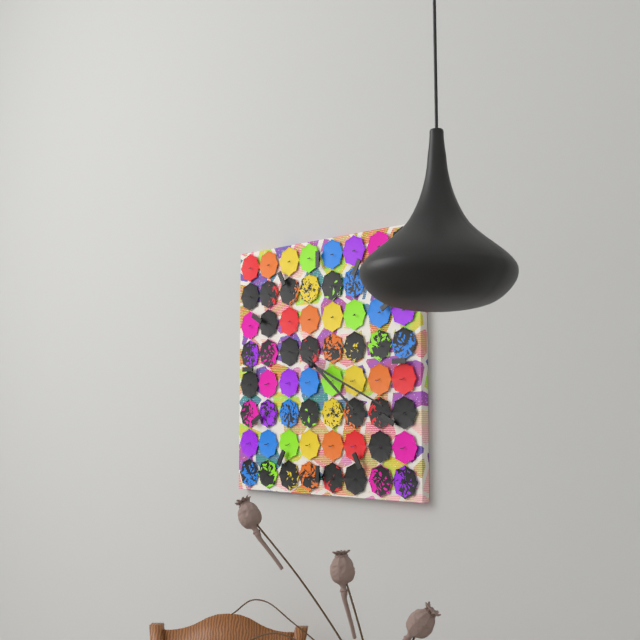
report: 4h19
